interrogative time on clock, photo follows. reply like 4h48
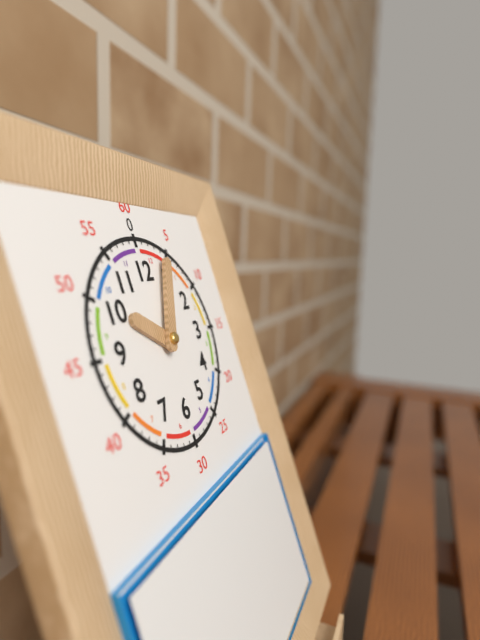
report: 10h04
